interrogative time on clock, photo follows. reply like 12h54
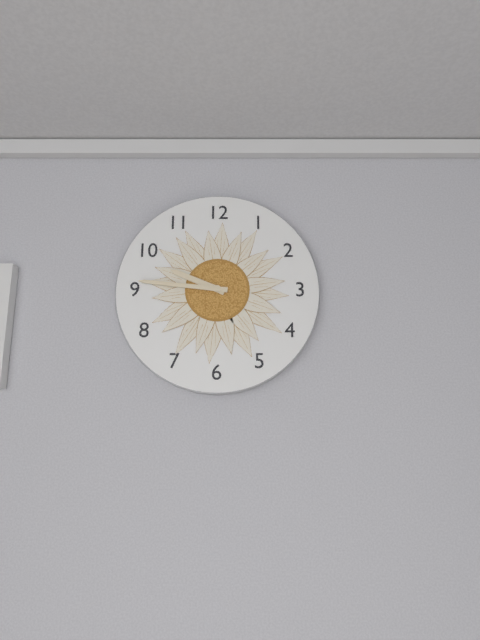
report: 9h46
